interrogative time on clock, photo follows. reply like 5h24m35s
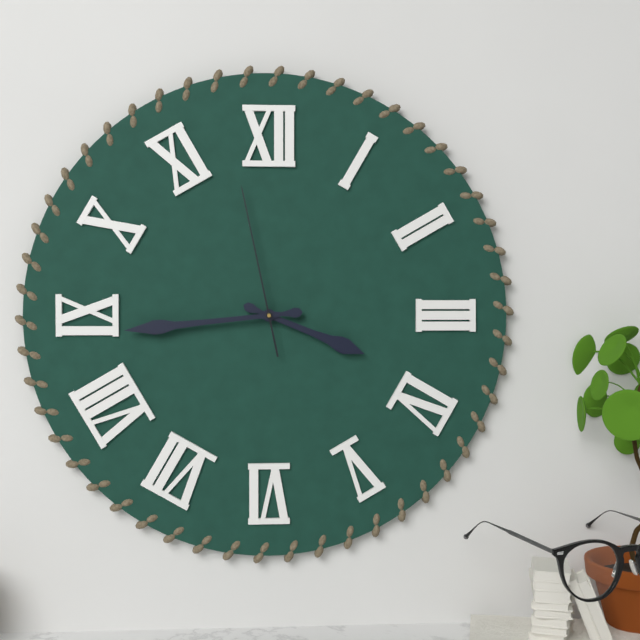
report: 3h44m58s
